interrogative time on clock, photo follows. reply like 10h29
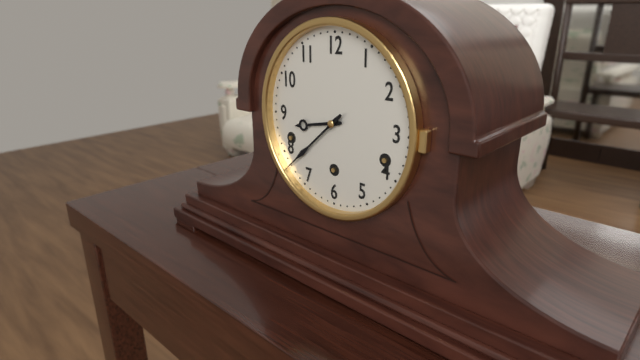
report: 8h38
